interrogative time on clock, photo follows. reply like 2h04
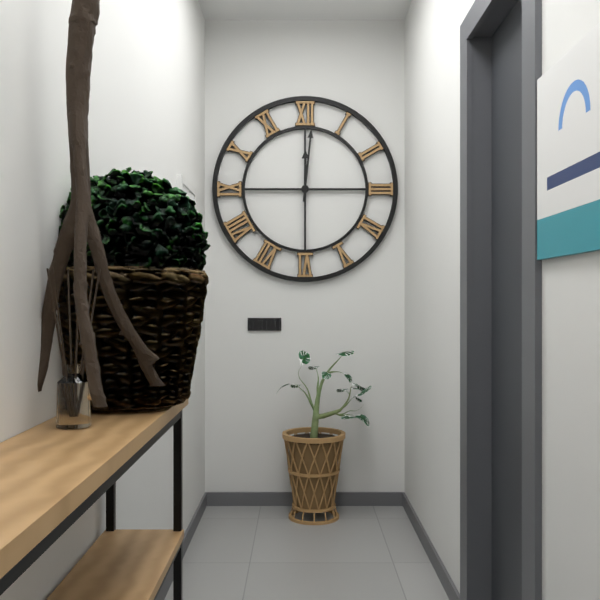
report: 12h01
